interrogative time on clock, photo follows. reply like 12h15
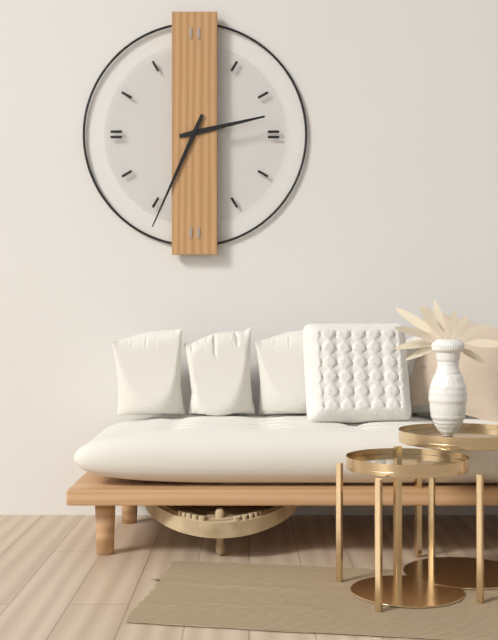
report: 2h34
